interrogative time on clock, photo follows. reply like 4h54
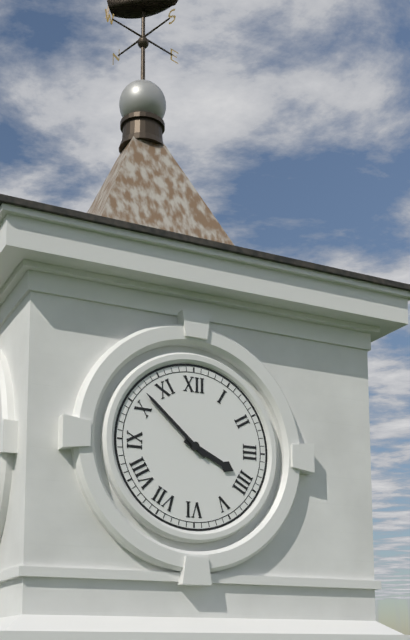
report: 3h52
